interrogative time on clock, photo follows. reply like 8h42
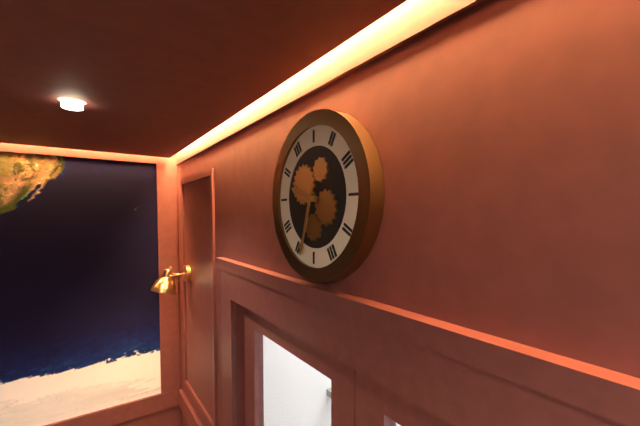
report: 9h33
